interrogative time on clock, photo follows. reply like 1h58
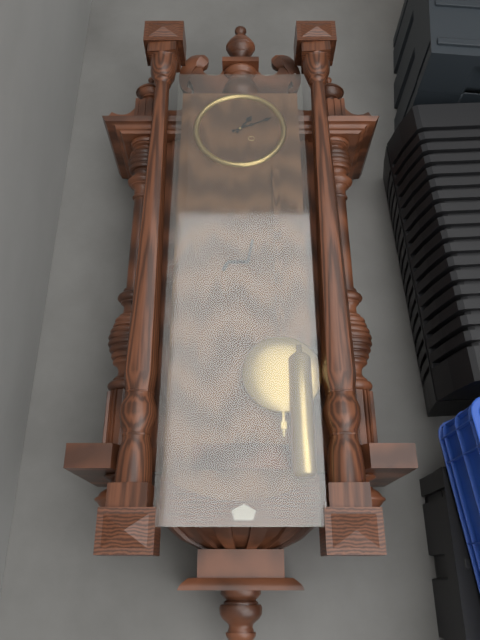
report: 1h11
